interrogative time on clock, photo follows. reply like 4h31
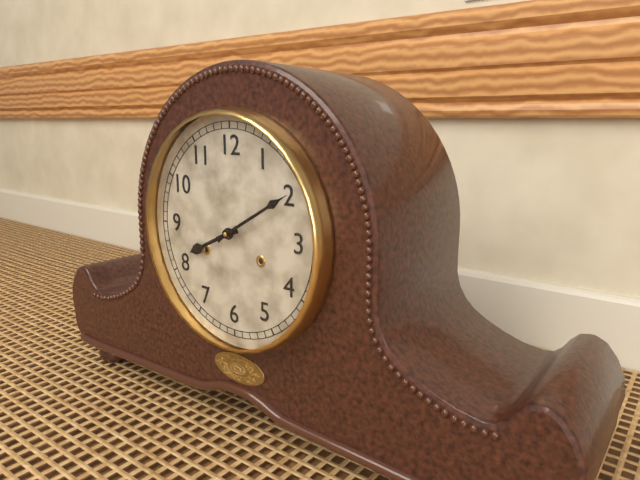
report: 8h10
